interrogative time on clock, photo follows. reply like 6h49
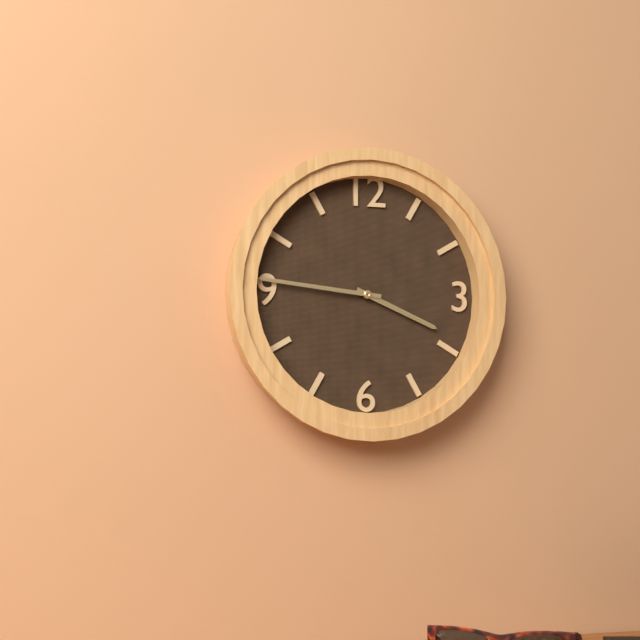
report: 3h46
